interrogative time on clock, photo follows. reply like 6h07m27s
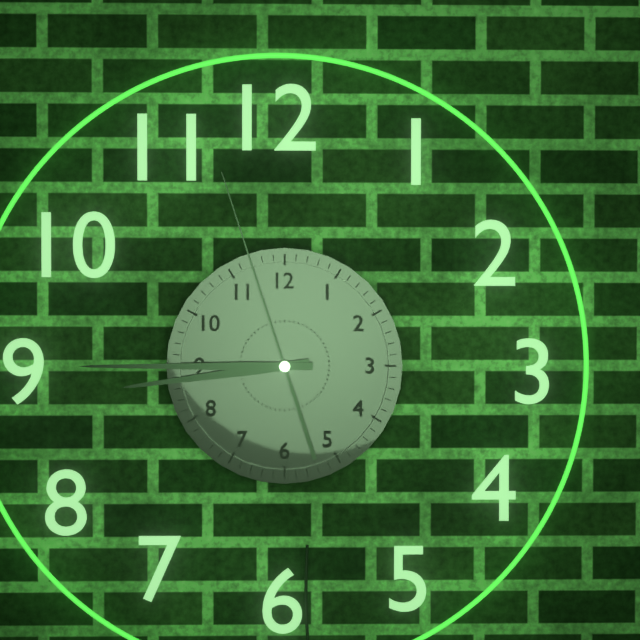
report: 8h45m57s
